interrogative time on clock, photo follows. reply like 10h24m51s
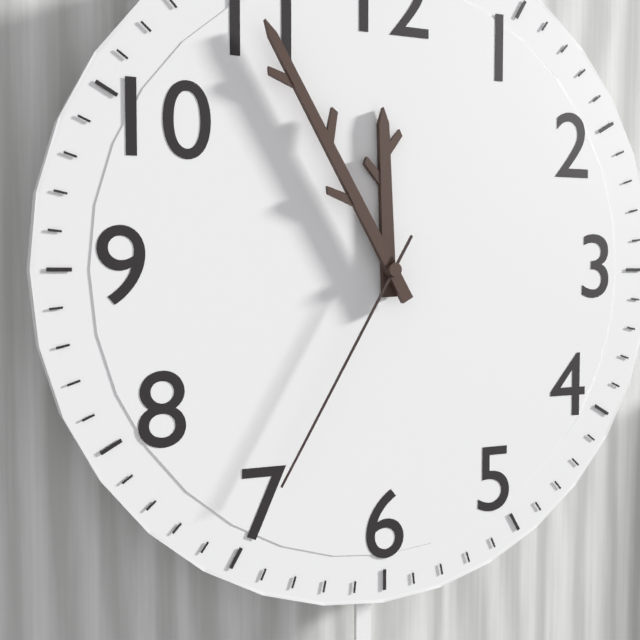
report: 11h55m35s
